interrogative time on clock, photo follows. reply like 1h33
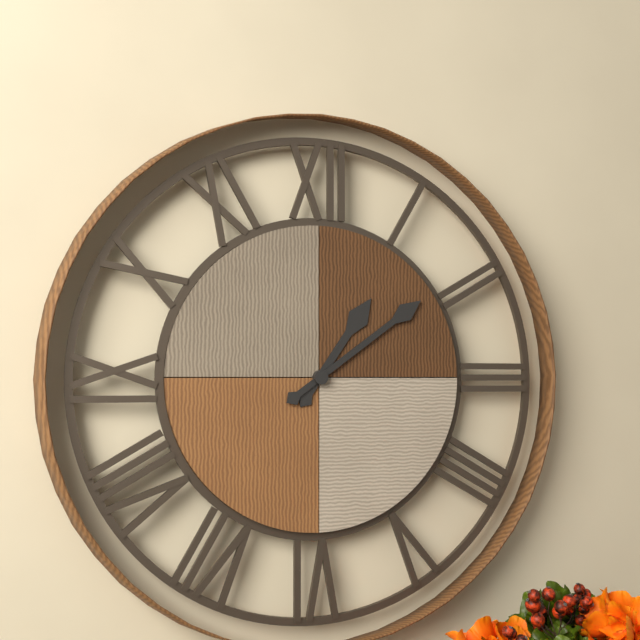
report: 1h09
